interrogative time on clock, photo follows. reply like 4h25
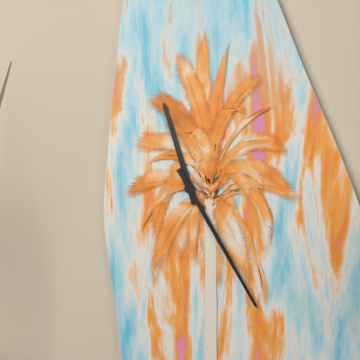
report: 11h25
